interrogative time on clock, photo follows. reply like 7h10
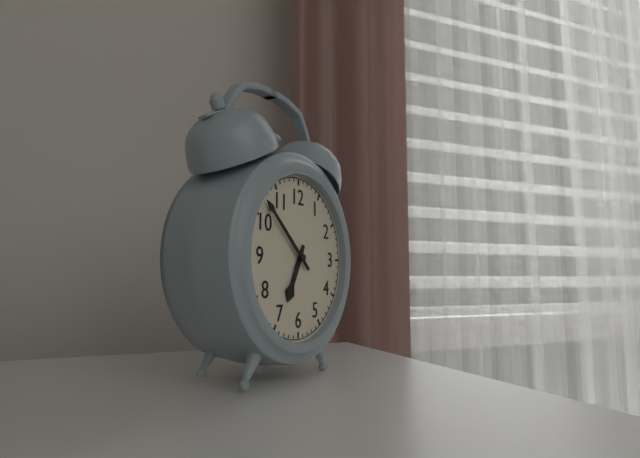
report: 6h52
